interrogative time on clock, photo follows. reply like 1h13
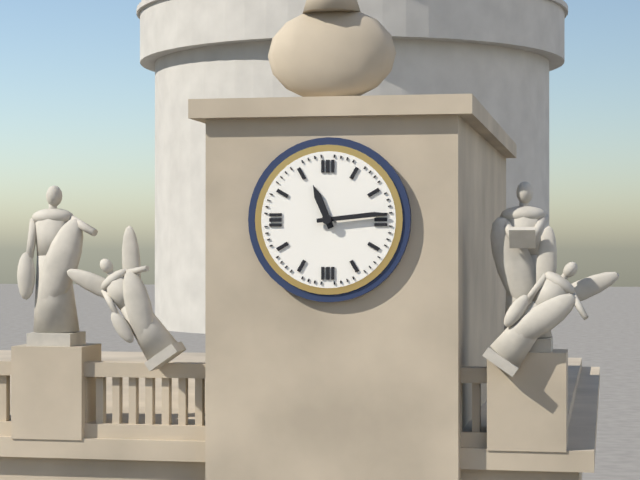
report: 11h14
